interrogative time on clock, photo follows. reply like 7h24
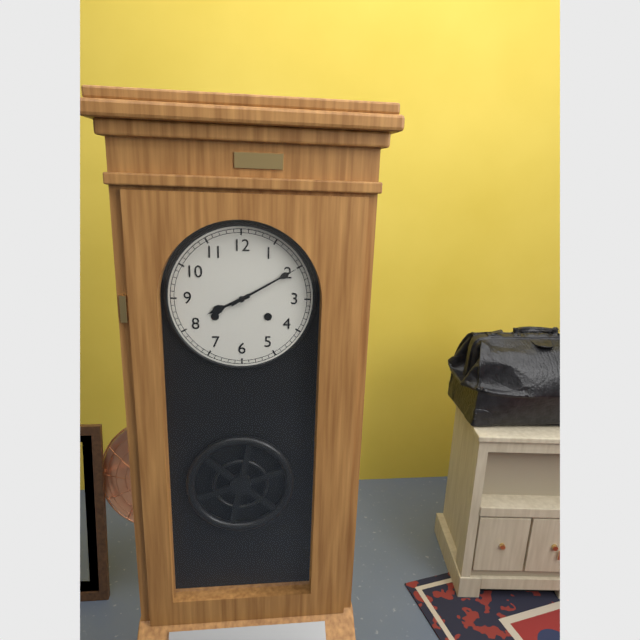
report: 8h10
